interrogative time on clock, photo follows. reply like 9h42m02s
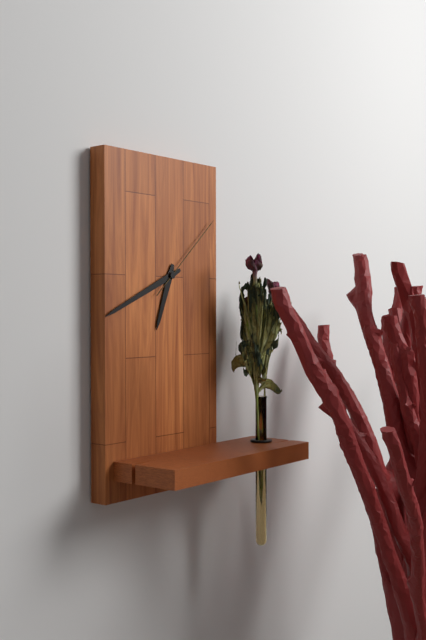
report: 6h41m08s
